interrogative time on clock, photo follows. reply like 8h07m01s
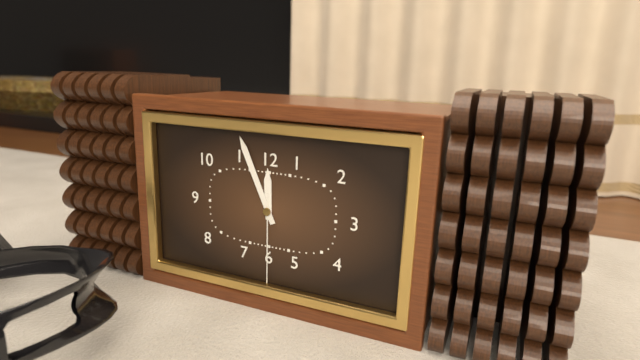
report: 11h56m30s
